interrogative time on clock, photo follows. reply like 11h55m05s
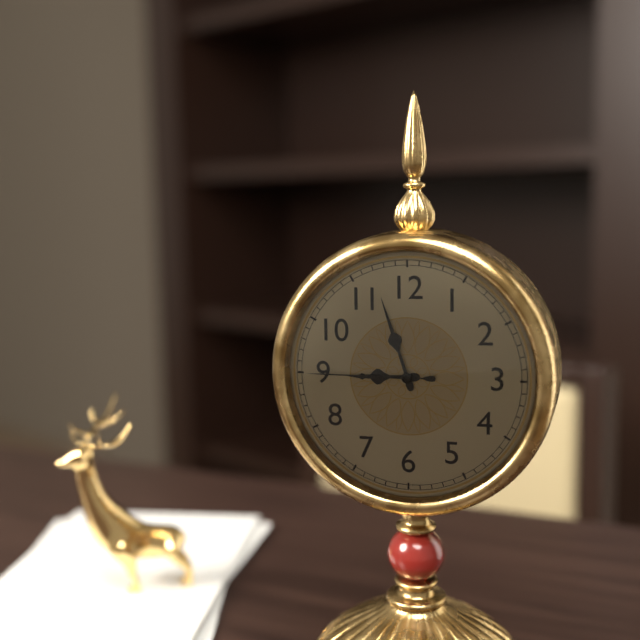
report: 8h57m45s
